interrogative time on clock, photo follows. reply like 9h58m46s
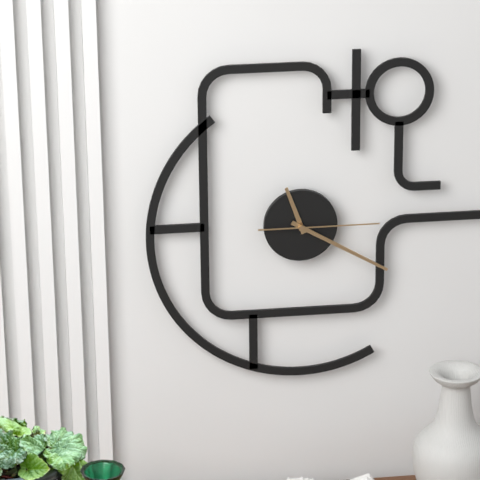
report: 11h20m15s
